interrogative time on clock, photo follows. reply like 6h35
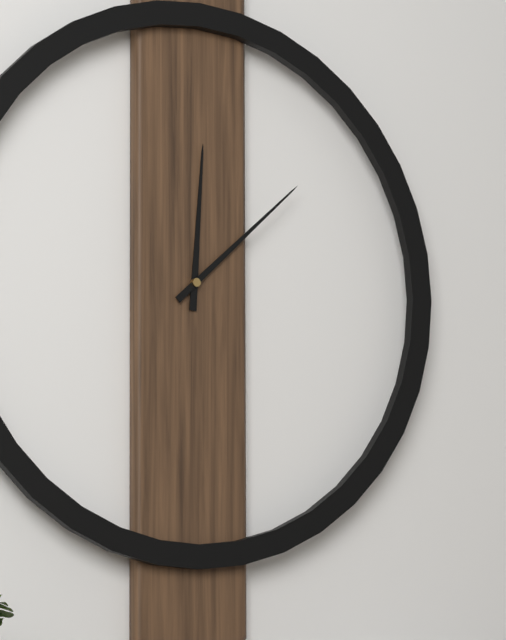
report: 12h08
